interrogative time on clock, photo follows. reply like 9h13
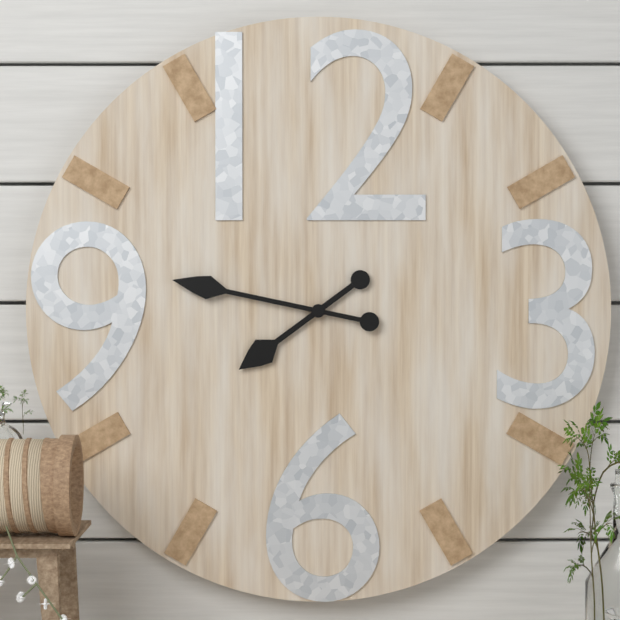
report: 7h47
